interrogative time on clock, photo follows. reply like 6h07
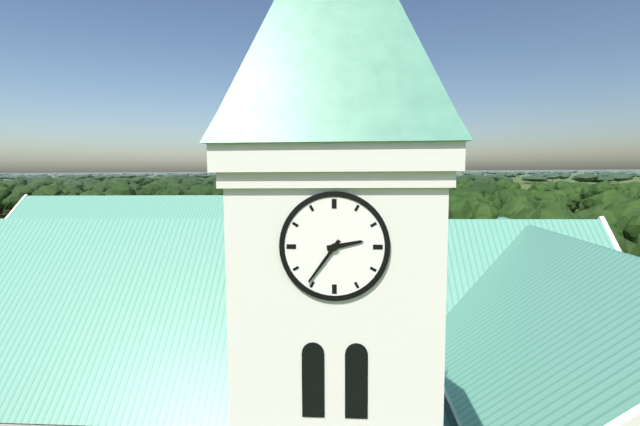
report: 2h36
